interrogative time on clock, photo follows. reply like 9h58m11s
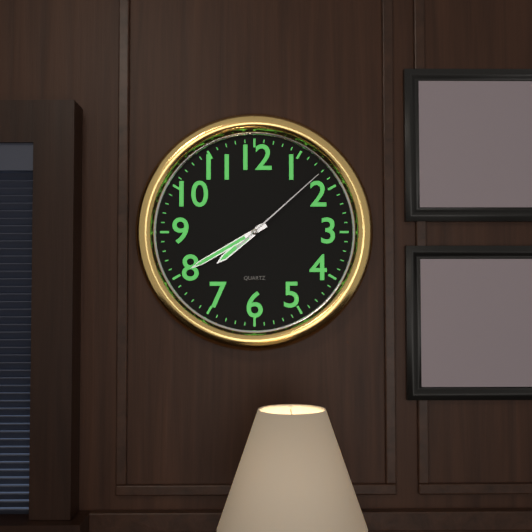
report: 7h40m08s
